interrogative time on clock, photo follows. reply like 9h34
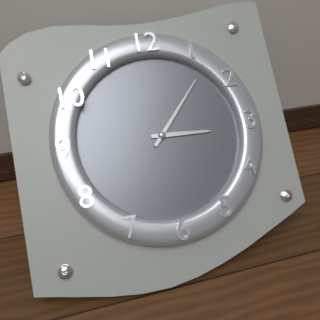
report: 3h07
